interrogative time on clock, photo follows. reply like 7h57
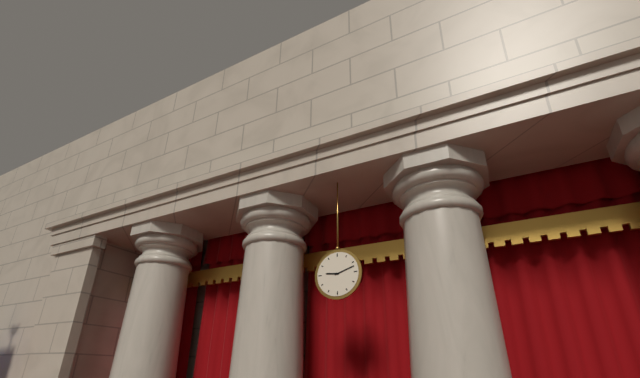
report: 9h12
